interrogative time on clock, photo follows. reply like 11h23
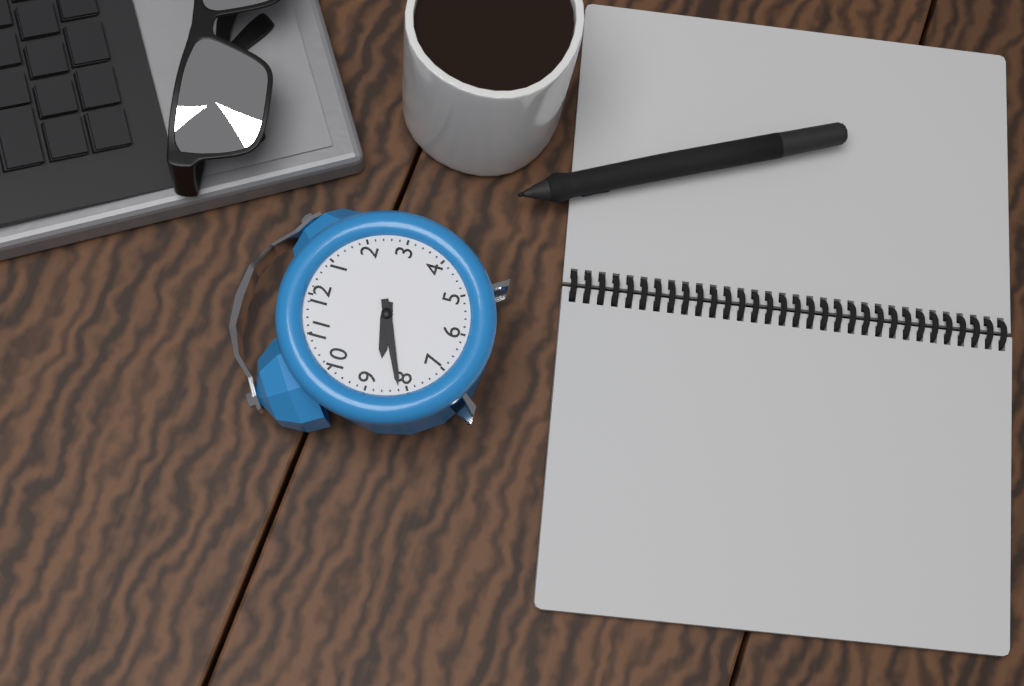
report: 8h41
